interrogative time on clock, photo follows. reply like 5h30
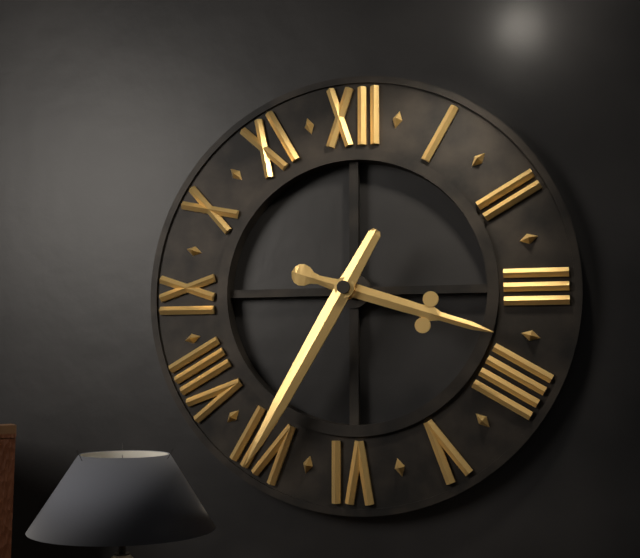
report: 3h35
